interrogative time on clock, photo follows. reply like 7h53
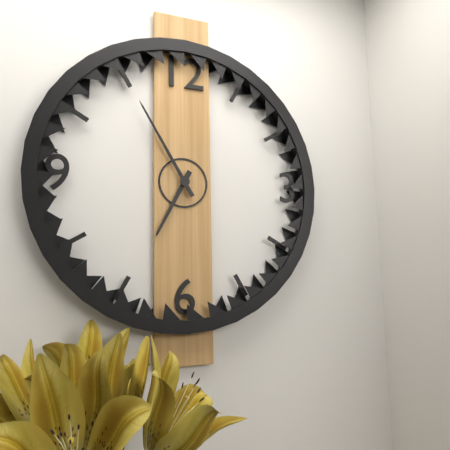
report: 6h55
